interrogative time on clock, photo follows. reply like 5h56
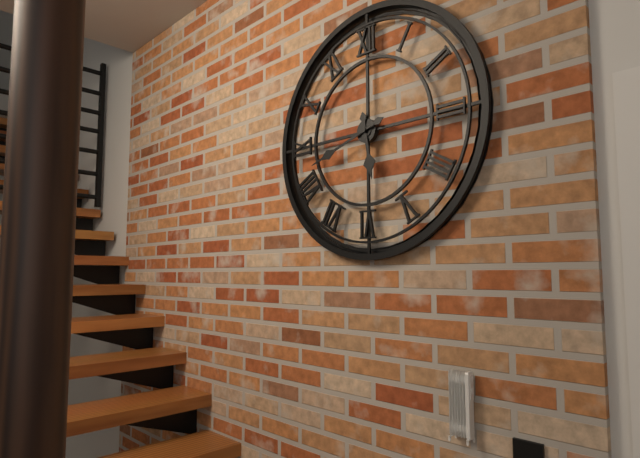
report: 5h42
